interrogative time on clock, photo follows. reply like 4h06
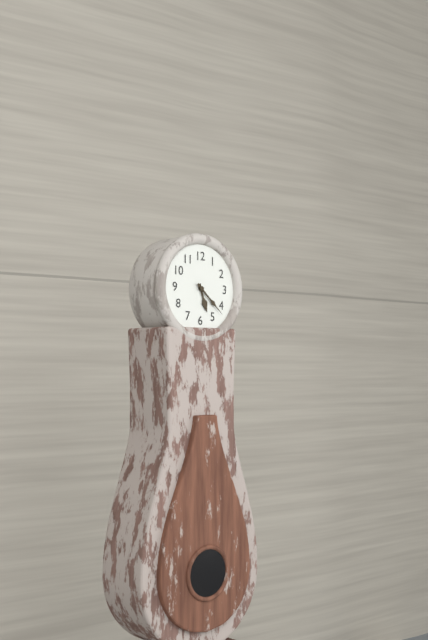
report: 5h22
